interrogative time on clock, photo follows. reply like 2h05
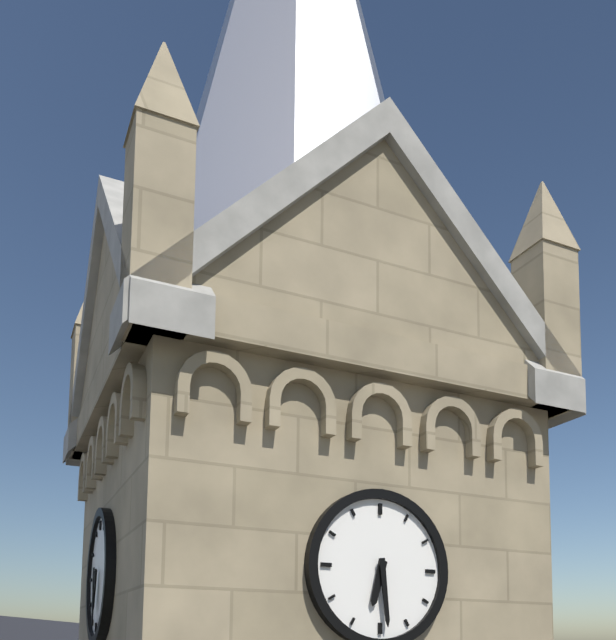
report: 6h29
